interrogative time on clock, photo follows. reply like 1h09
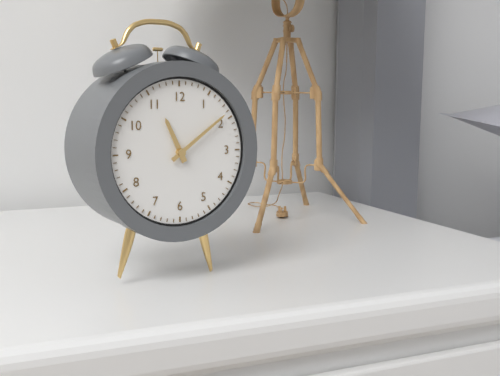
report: 11h09
